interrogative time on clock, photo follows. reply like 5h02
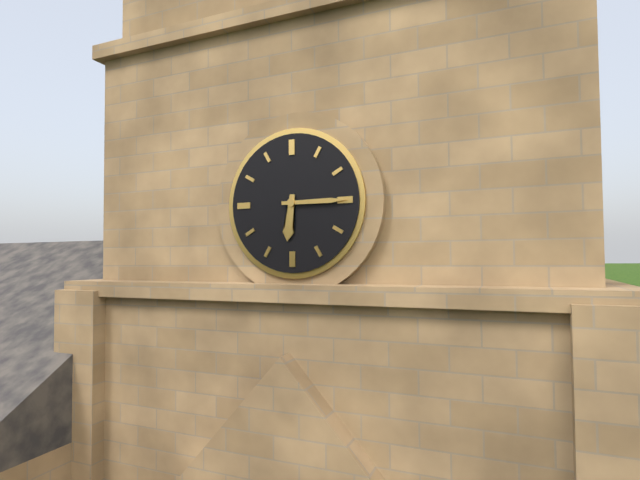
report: 6h15
